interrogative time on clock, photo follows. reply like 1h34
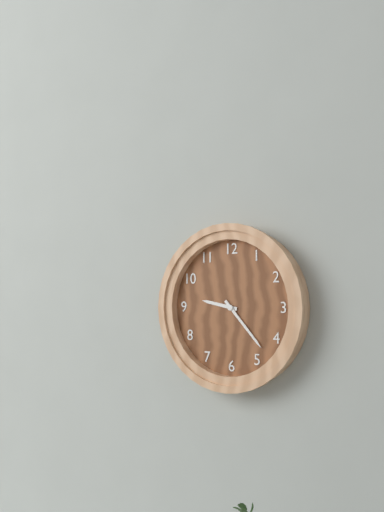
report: 9h23
